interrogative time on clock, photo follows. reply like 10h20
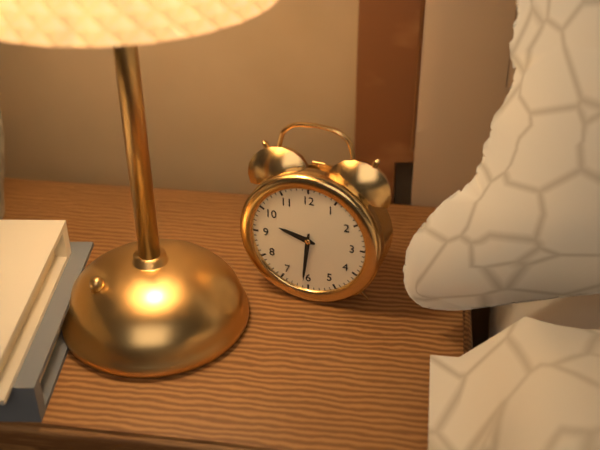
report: 9h31
